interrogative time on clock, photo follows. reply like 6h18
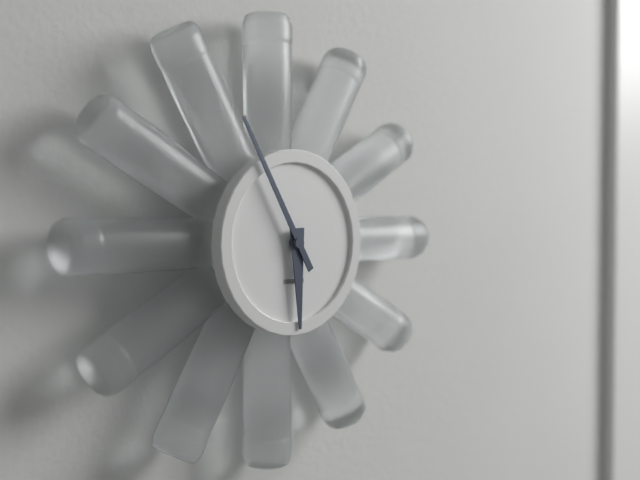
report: 5h55
